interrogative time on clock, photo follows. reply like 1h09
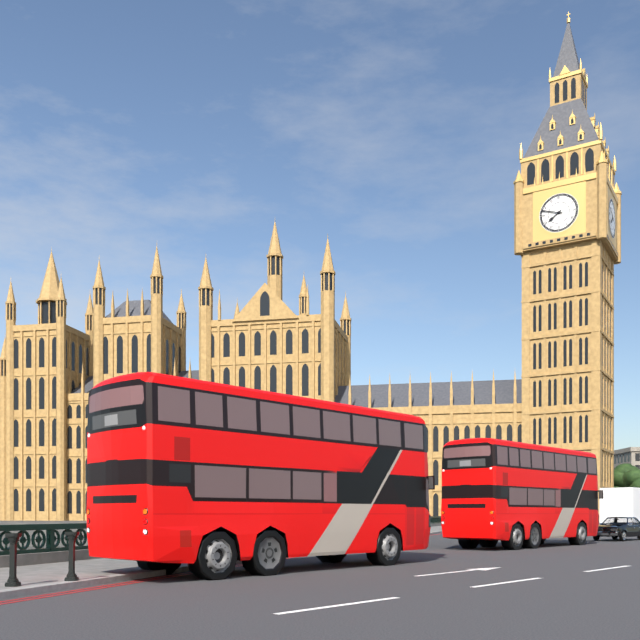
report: 7h48
